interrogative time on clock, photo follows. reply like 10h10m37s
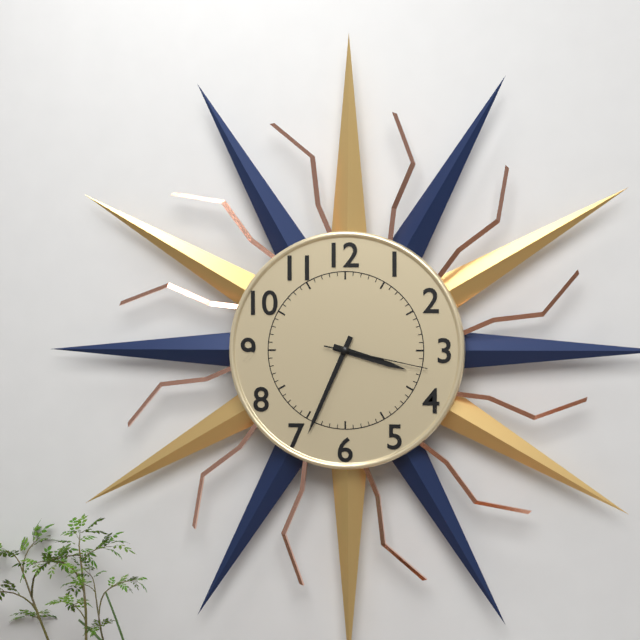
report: 3h34m17s
